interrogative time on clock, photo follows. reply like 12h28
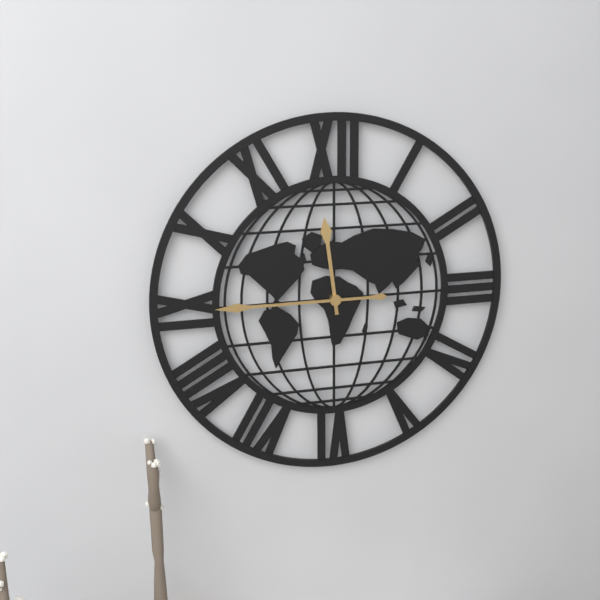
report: 11h45
